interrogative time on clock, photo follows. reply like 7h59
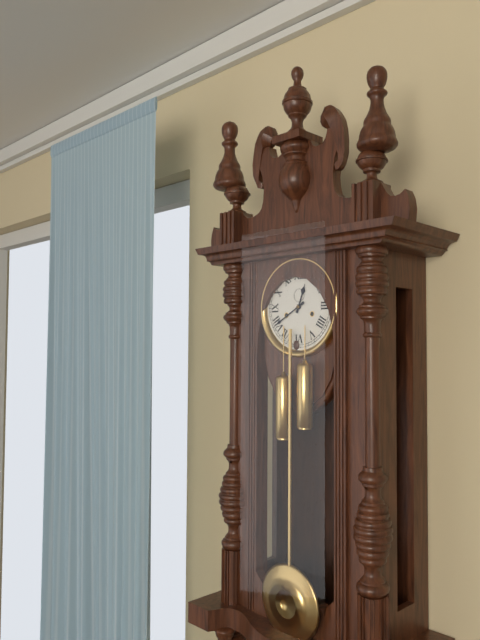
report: 12h40
